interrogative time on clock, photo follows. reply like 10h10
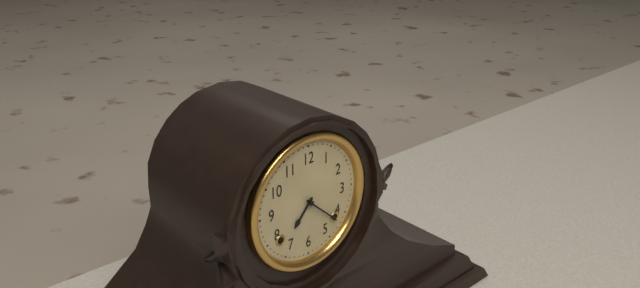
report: 7h22
